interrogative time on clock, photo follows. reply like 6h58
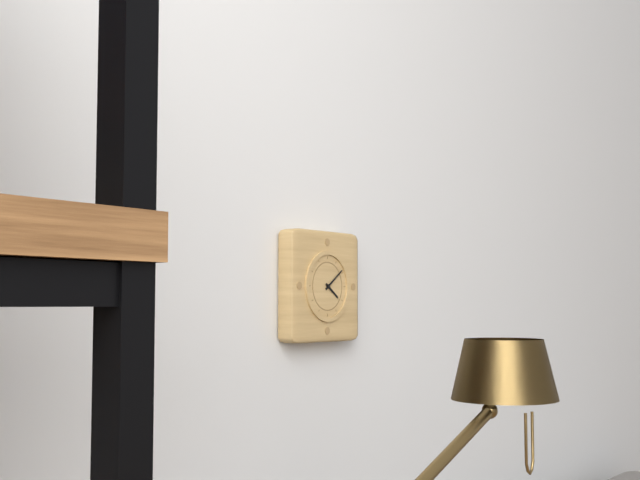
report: 4h09
